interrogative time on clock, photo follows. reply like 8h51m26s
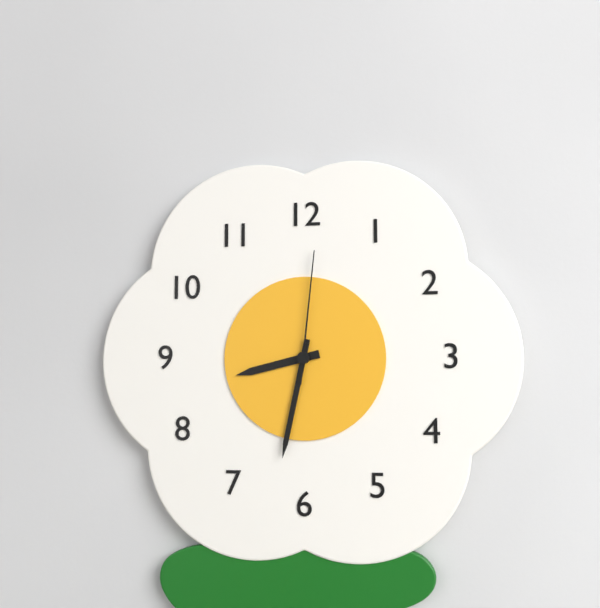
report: 8h32m01s
